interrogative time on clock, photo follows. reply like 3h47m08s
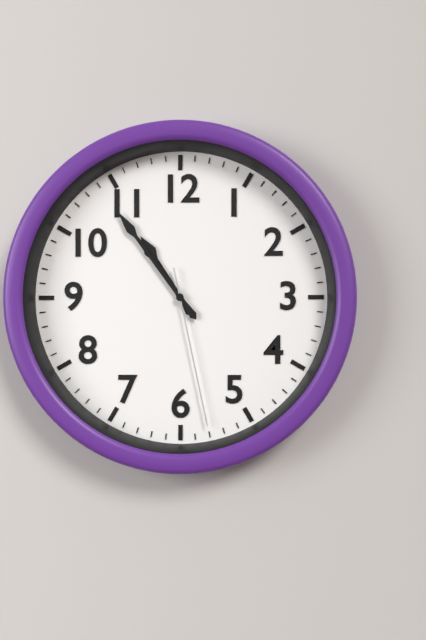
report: 10h54m28s
